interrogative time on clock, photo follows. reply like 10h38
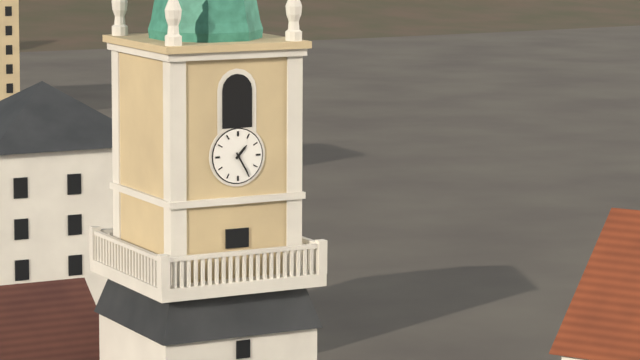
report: 1h25
